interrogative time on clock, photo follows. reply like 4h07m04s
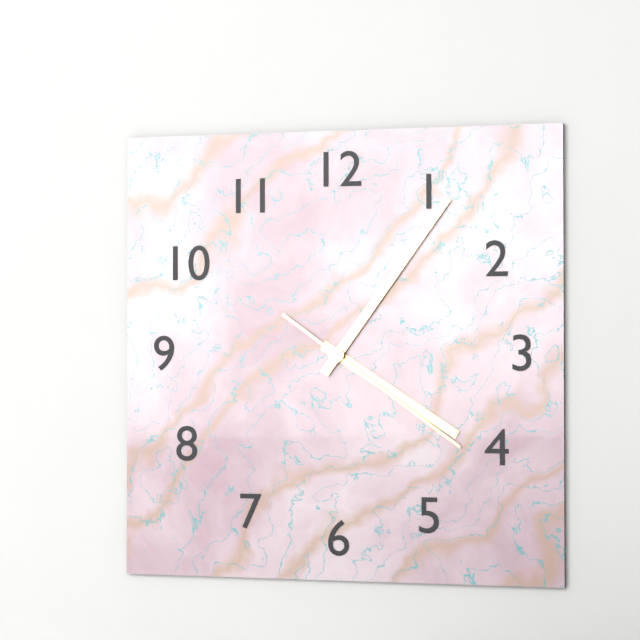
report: 4h06m21s
